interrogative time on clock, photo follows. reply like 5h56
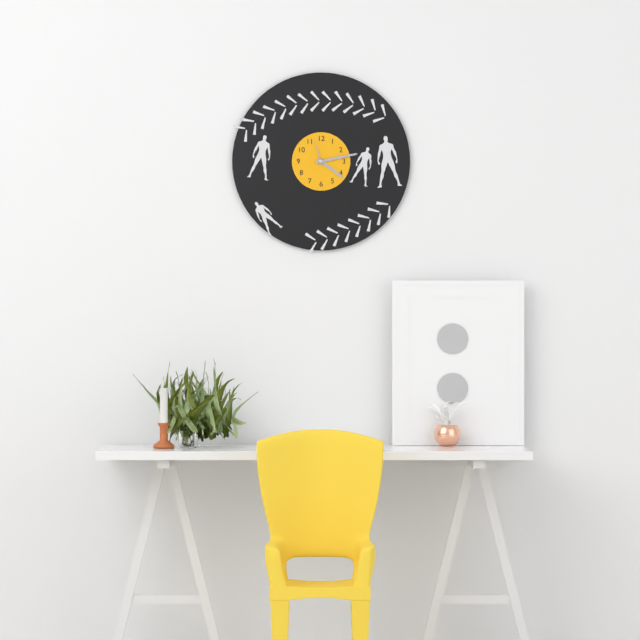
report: 4h13
